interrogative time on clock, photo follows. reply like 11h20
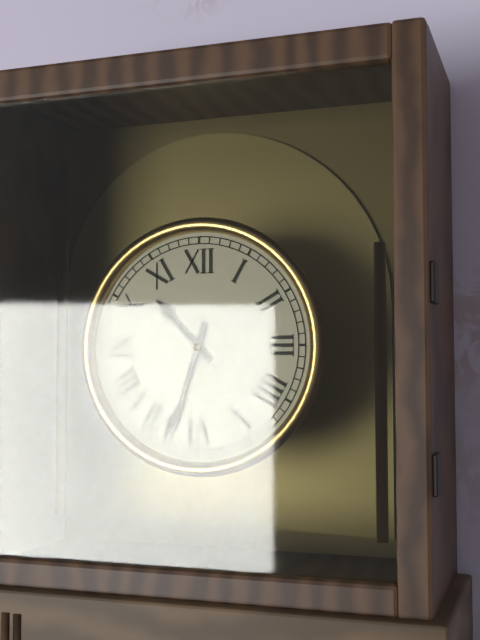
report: 10h33
